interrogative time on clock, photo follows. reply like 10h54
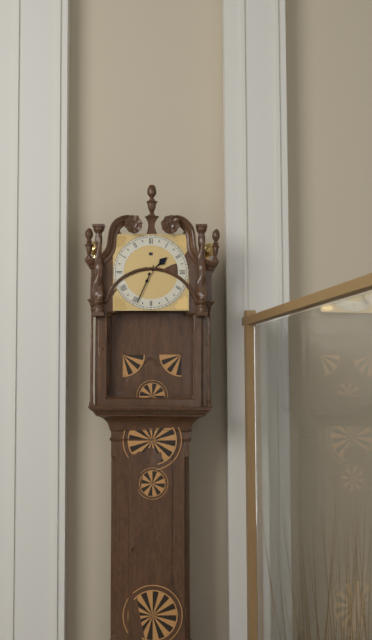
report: 1h34
